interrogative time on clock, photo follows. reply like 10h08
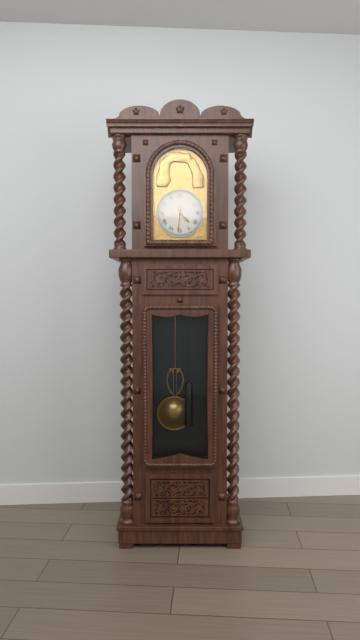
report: 4h31
